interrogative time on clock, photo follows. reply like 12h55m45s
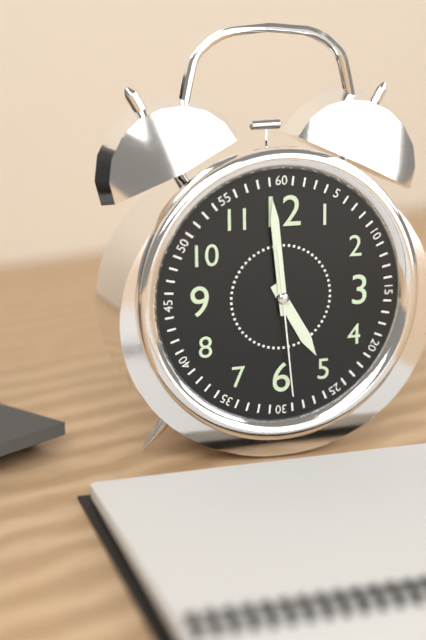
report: 4h59m29s
